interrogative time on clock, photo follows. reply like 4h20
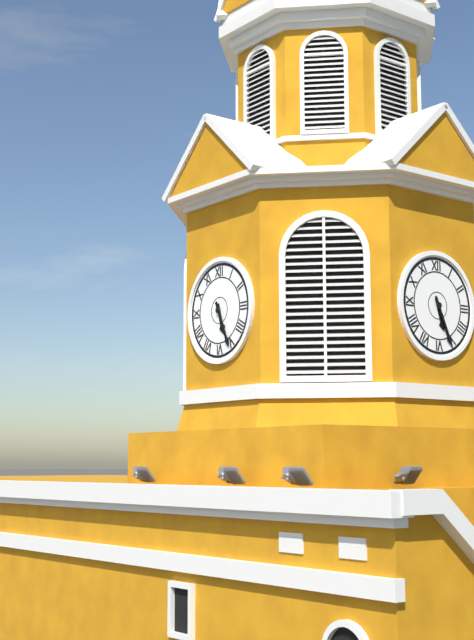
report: 5h26
